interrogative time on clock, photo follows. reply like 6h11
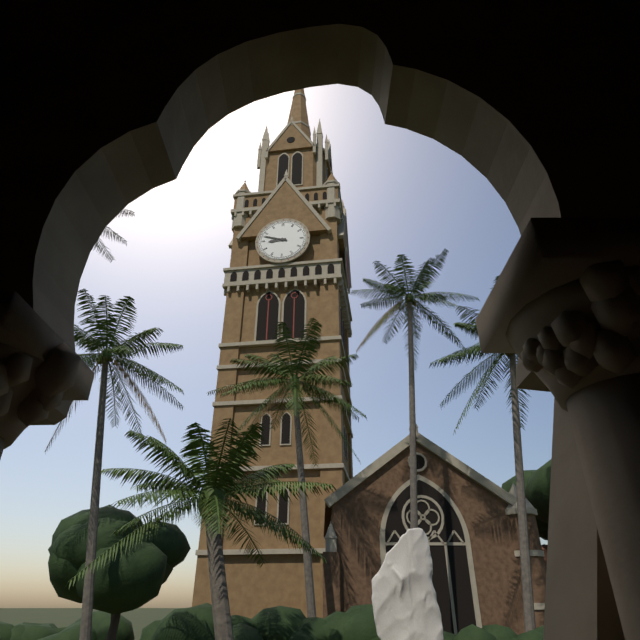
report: 8h48
